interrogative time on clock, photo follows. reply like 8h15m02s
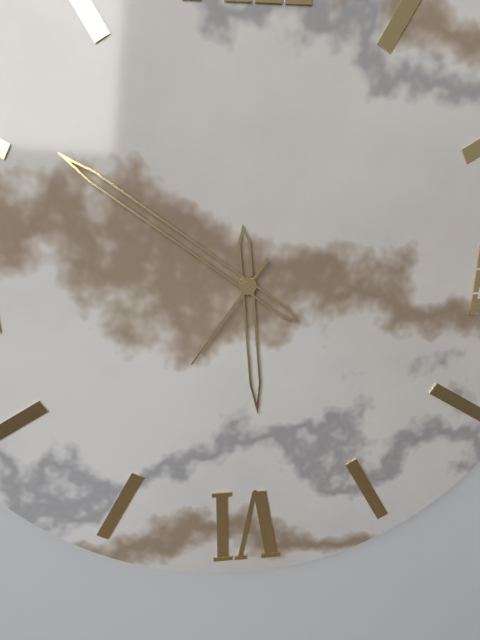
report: 5h51m36s
